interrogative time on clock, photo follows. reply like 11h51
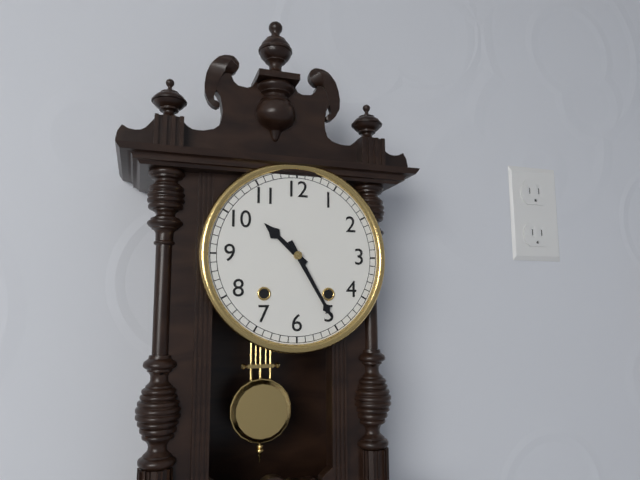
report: 10h25
